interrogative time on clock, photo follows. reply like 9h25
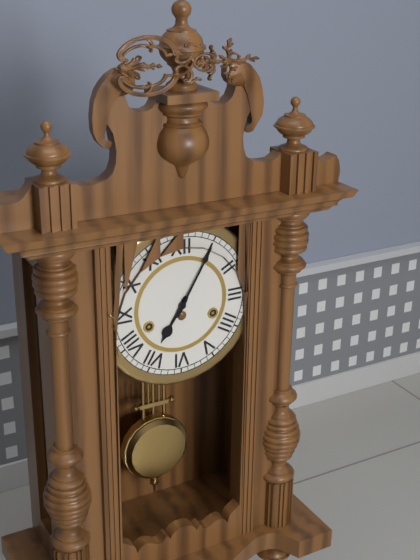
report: 7h05
